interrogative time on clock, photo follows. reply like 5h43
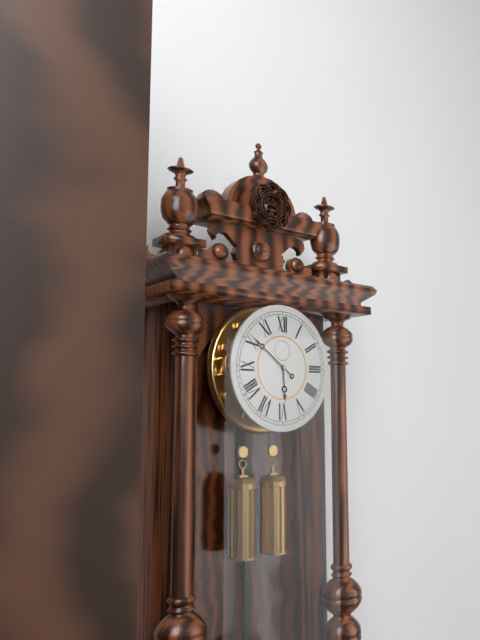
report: 5h51
